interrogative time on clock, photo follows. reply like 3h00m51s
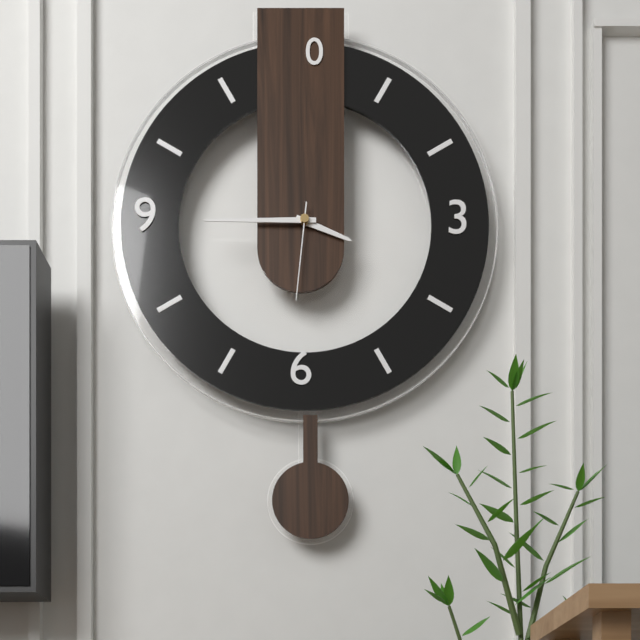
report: 3h45m31s
